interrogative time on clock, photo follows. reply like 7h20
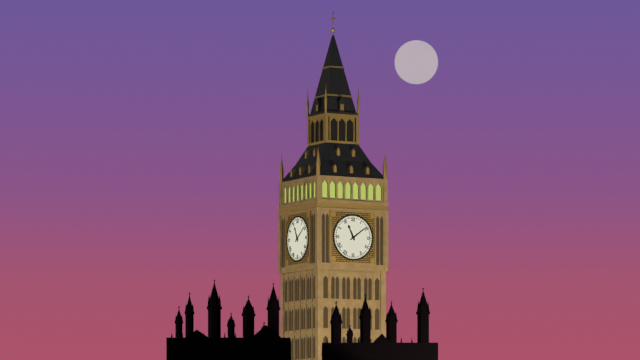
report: 11h09
